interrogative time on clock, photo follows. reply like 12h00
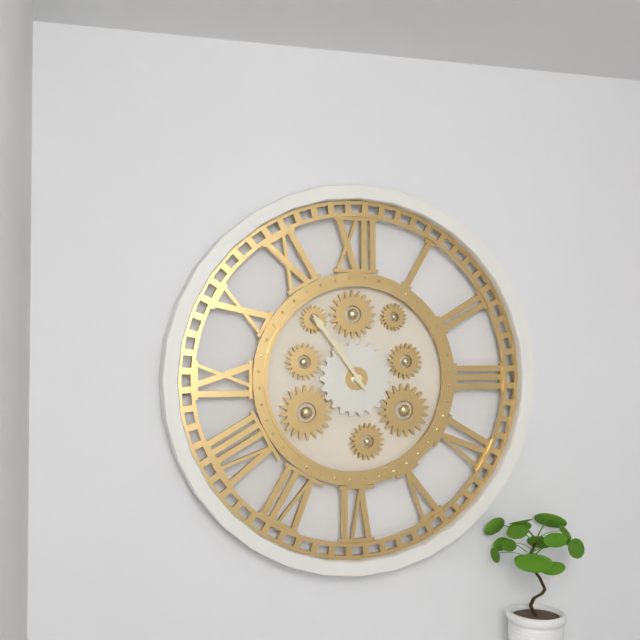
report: 10h54
